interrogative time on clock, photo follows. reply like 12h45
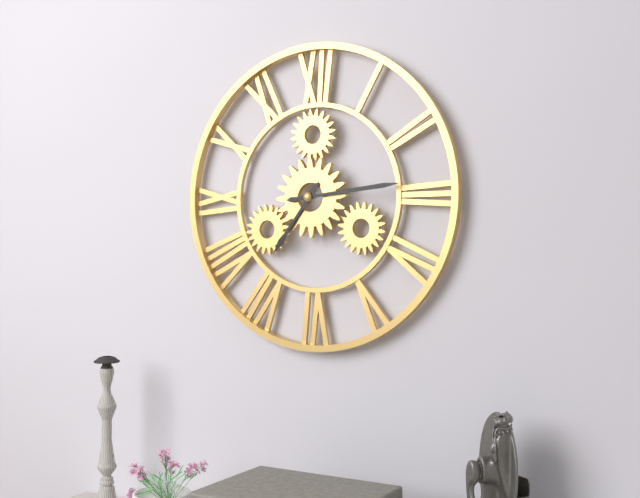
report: 7h14
